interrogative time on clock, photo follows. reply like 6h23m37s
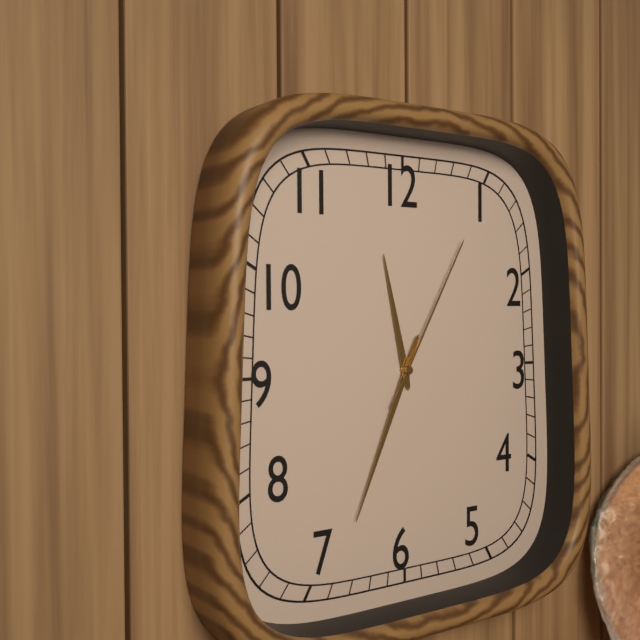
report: 11h34m05s
